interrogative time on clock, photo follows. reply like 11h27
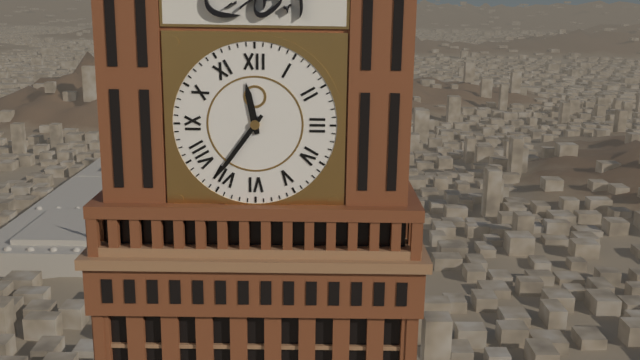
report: 11h36
